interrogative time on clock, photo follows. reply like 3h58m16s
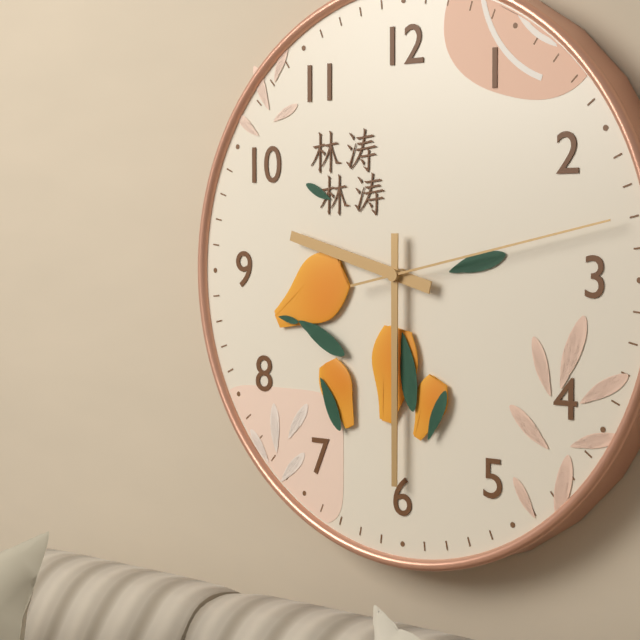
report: 9h30m13s
